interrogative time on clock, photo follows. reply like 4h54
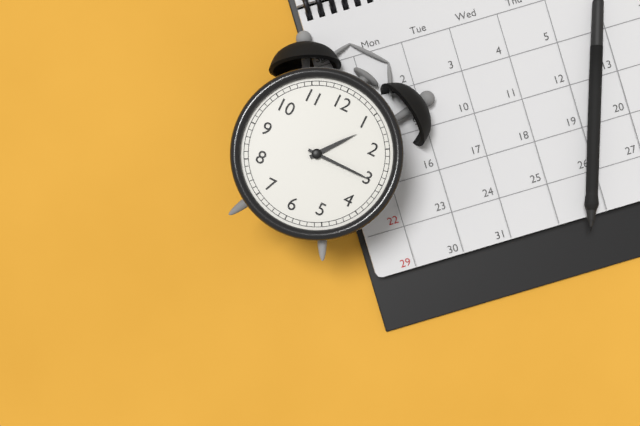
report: 1h15
